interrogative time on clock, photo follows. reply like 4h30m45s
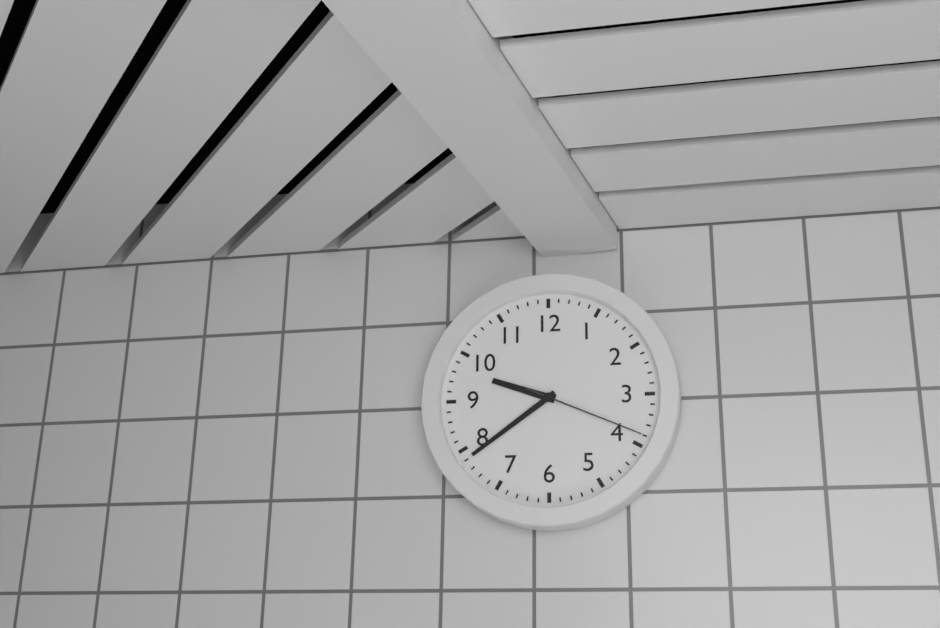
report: 9h39m19s
